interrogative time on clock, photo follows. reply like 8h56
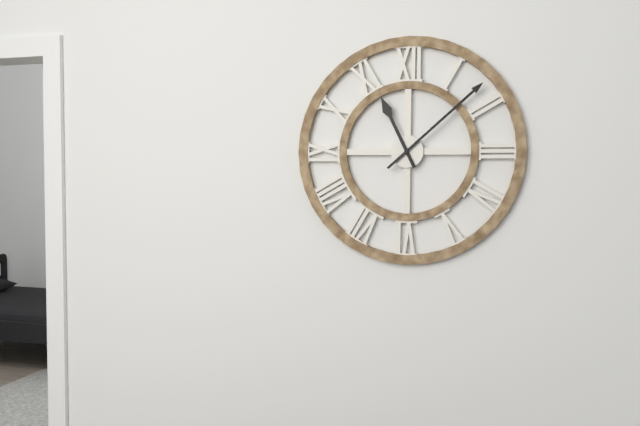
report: 11h08
